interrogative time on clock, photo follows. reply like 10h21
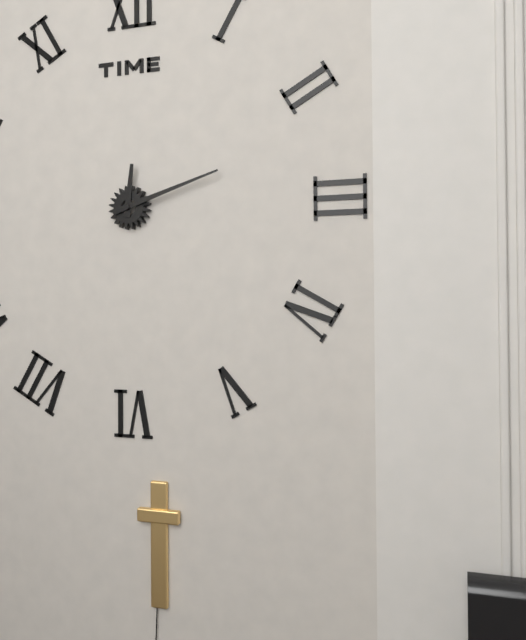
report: 12h12
